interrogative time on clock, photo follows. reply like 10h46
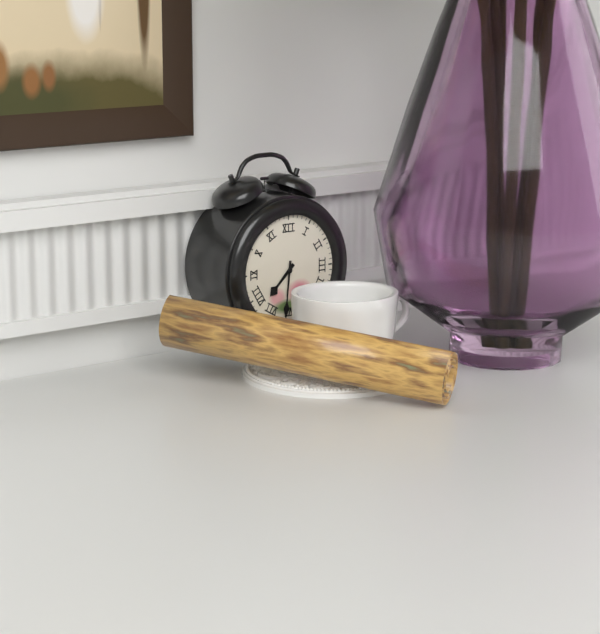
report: 7h31
